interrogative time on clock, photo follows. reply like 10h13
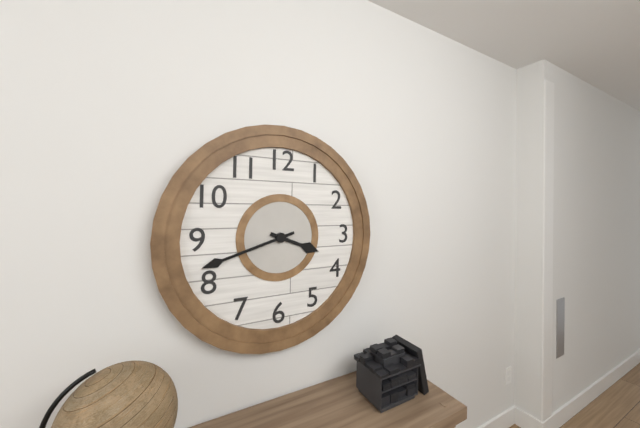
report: 3h42
